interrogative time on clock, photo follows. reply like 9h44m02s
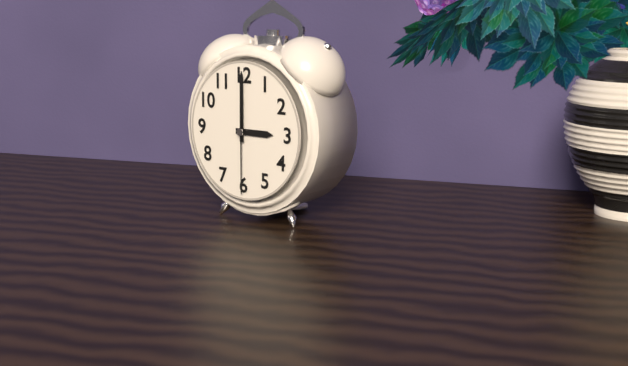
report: 3h00m30s
